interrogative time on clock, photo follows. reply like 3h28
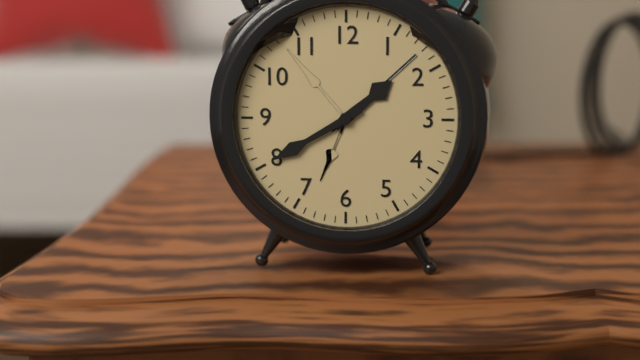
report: 1h40
